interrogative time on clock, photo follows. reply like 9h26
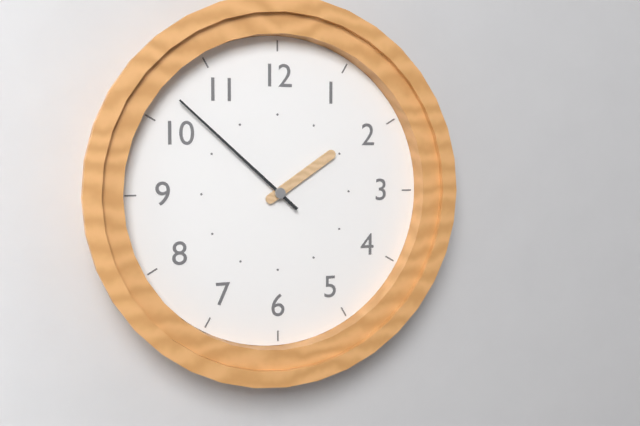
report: 1h52
